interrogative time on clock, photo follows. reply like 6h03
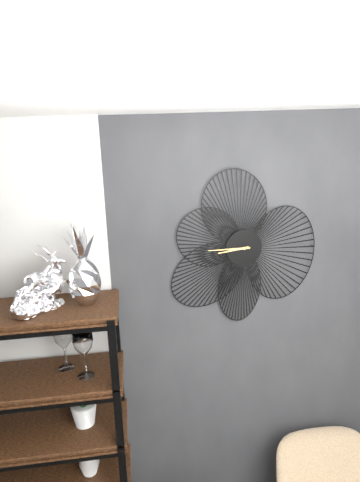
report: 8h45
